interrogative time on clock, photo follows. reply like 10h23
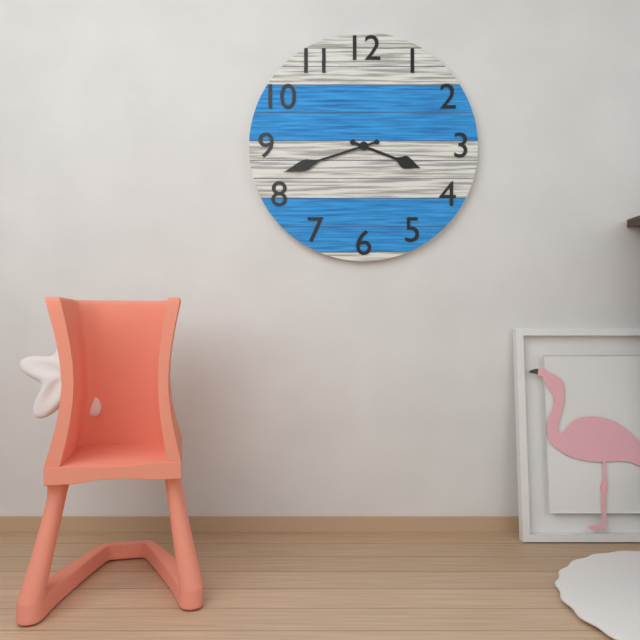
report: 3h42
